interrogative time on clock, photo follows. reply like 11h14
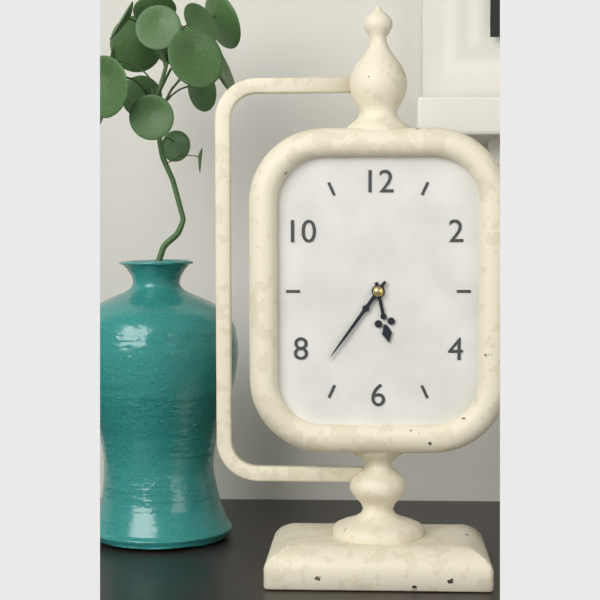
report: 5h36
